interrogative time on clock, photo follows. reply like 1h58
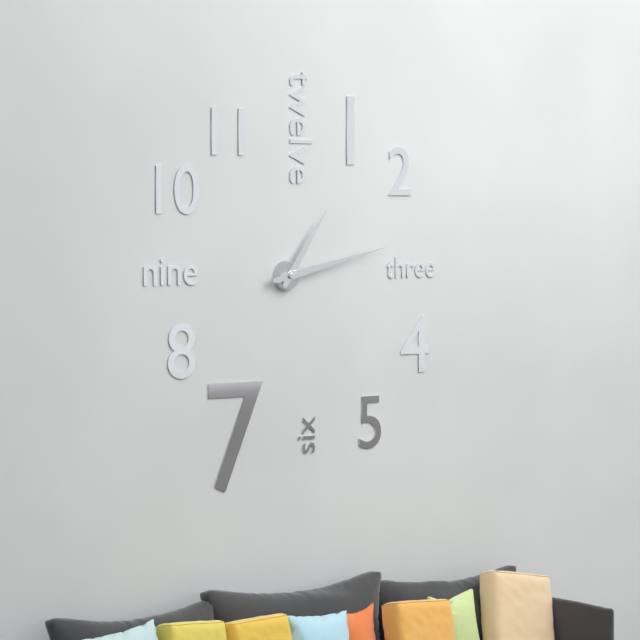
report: 1h13
